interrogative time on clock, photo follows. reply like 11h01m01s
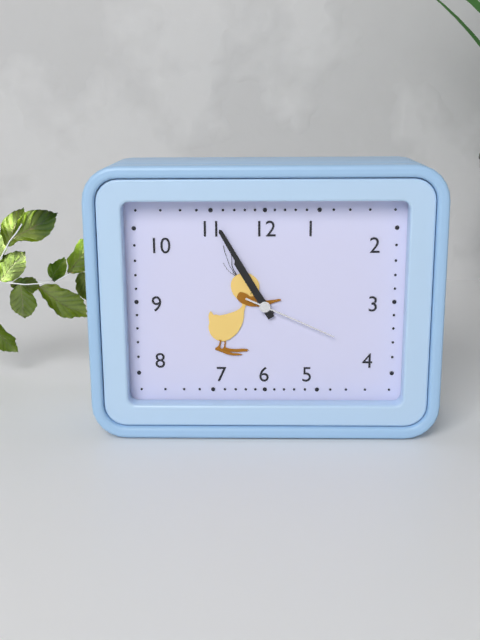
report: 10h55m19s
